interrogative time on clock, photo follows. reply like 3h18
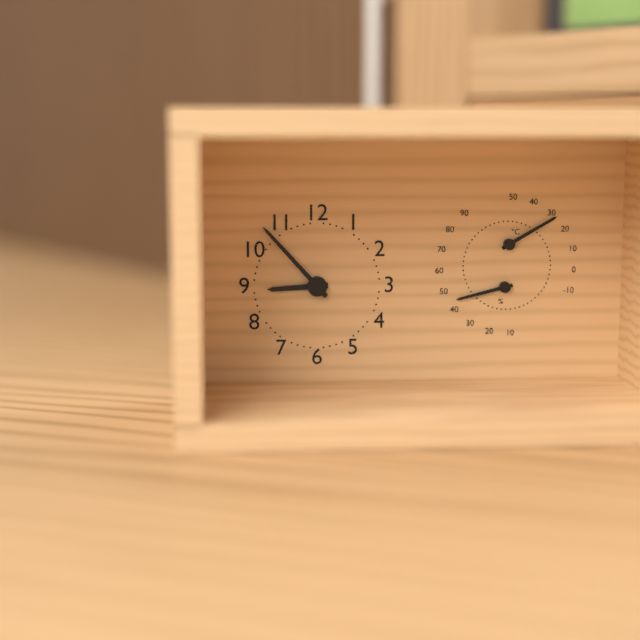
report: 8h53
